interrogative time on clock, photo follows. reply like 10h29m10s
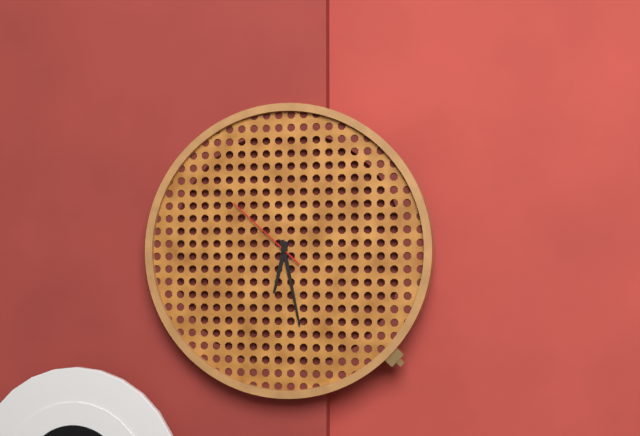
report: 6h28m52s
